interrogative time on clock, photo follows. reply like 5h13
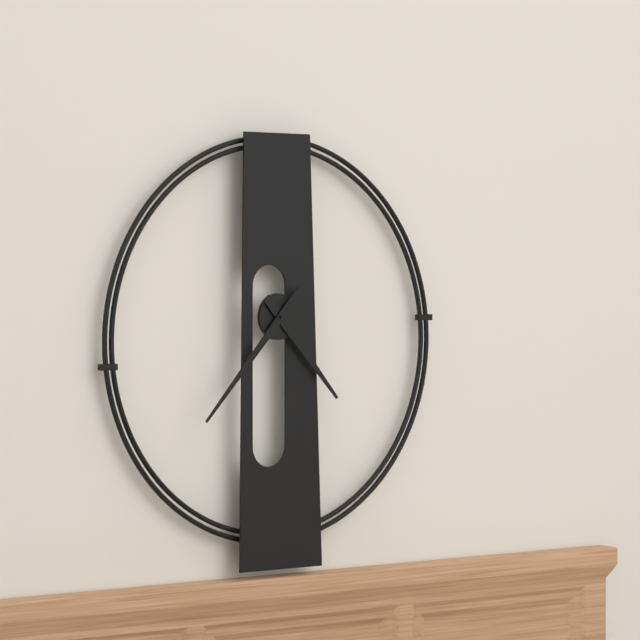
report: 4h37
